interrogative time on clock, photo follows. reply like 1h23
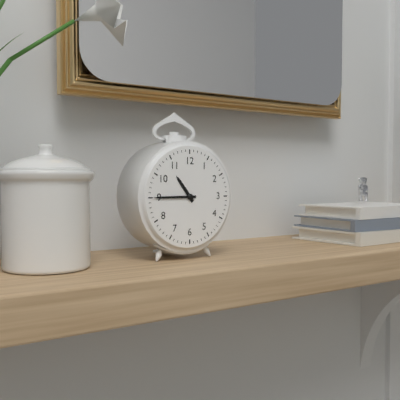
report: 10h45
